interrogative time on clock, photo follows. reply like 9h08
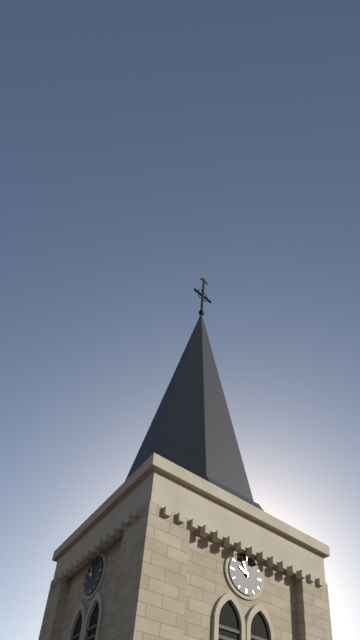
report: 9h56
